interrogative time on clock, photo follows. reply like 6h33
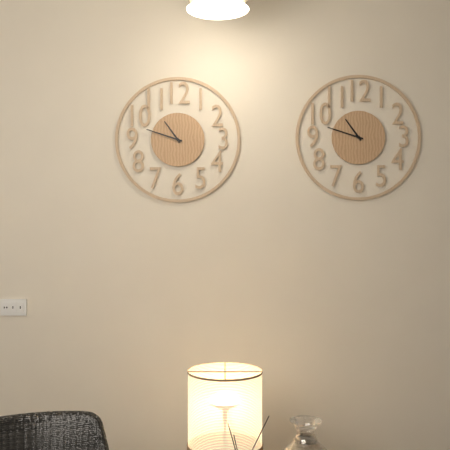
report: 10h48
